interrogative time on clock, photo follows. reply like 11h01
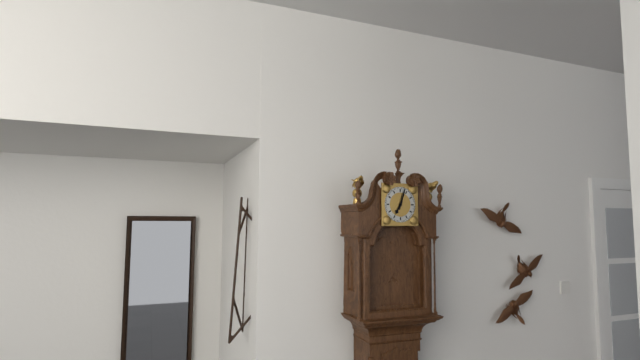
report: 7h03
